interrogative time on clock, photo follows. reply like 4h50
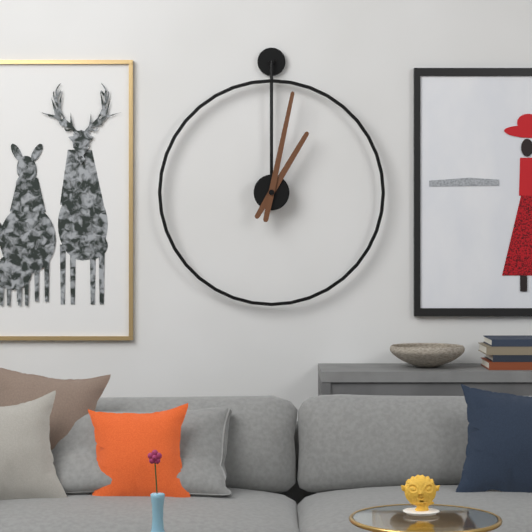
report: 1h02
